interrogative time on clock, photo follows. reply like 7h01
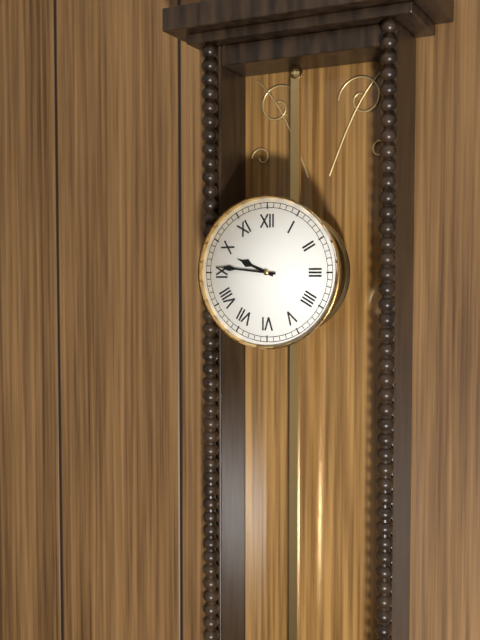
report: 9h46
